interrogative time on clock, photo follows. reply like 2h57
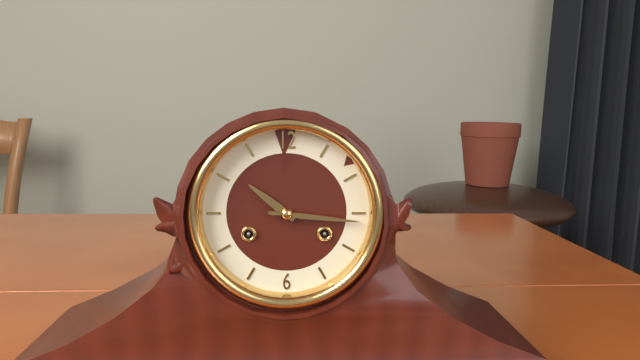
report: 10h16
